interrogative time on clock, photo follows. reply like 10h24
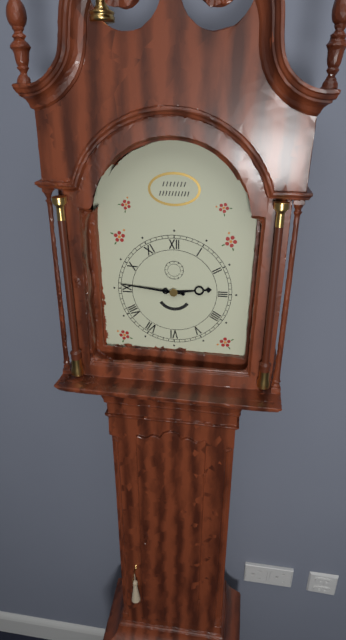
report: 2h46
